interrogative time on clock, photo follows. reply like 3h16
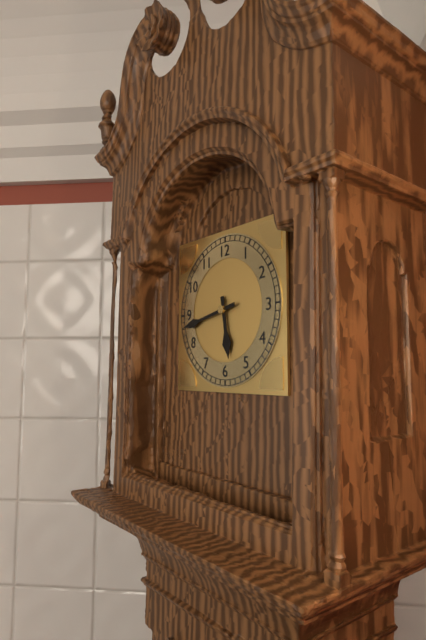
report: 5h43
